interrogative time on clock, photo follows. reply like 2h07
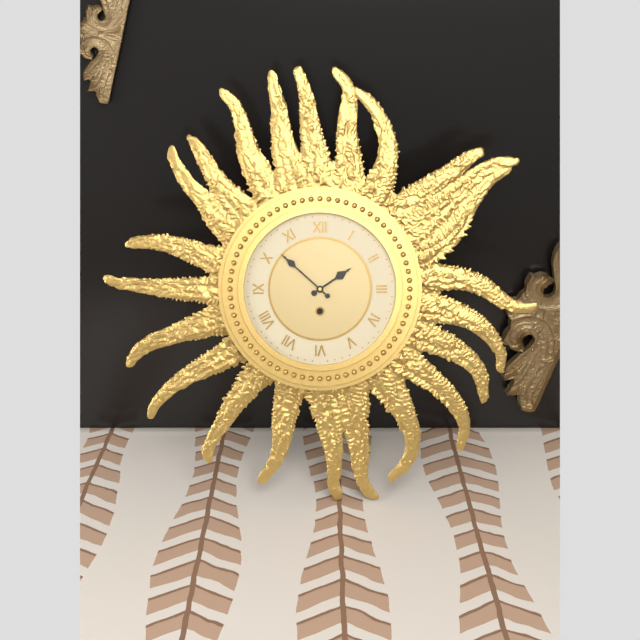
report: 1h52
